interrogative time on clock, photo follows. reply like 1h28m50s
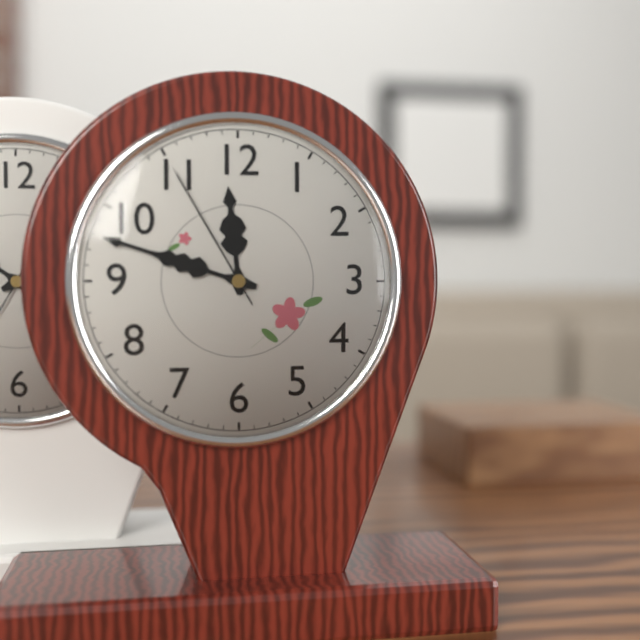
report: 11h48m55s
